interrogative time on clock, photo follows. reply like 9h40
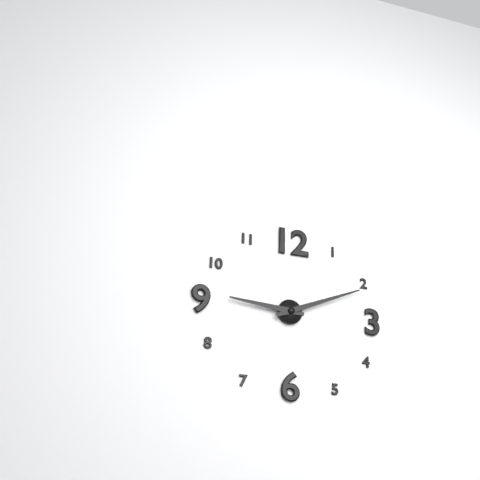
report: 9h11
